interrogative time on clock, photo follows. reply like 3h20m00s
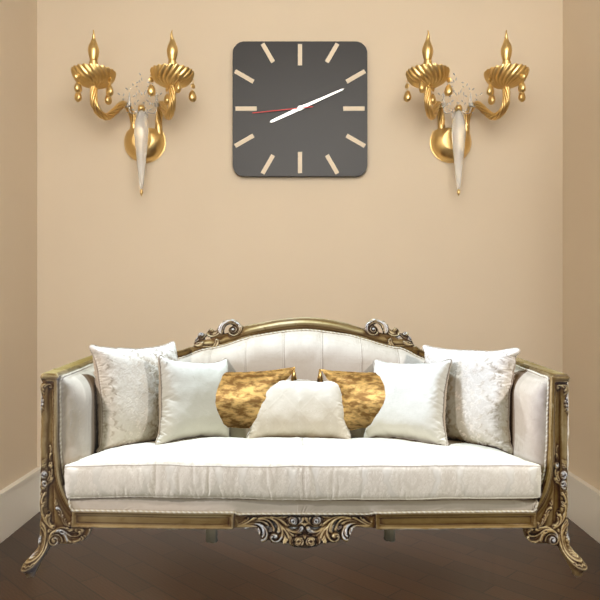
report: 8h11m44s
